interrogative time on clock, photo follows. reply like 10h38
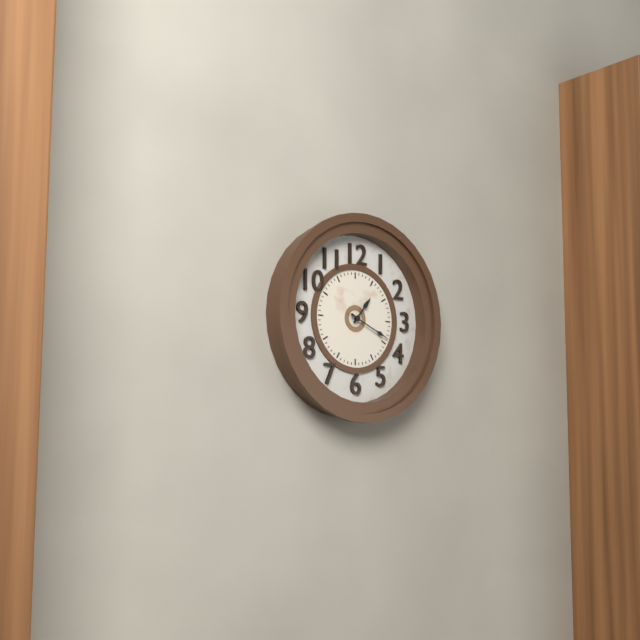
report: 1h19
